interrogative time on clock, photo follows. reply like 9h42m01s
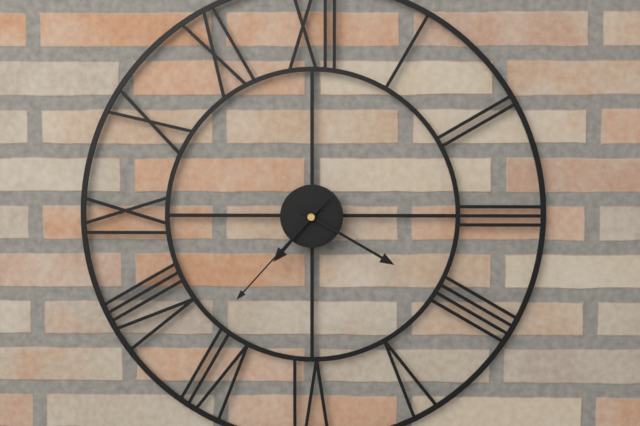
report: 7h20m37s
